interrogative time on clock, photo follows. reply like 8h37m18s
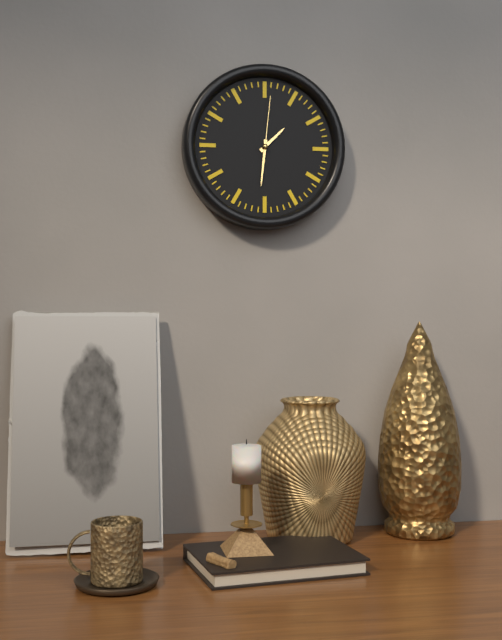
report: 1h31m01s
